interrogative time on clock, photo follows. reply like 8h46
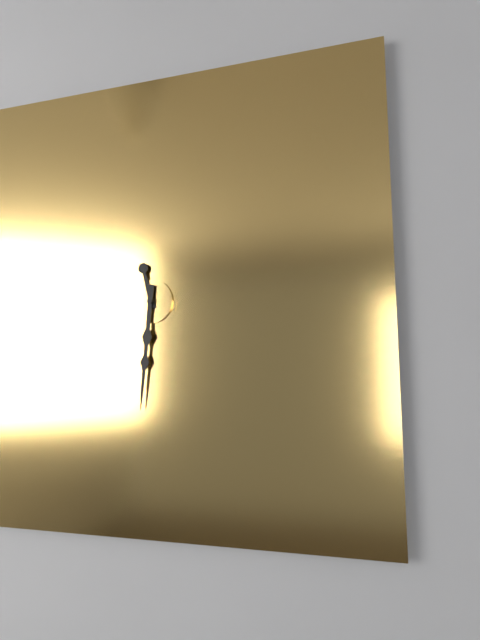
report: 11h31
